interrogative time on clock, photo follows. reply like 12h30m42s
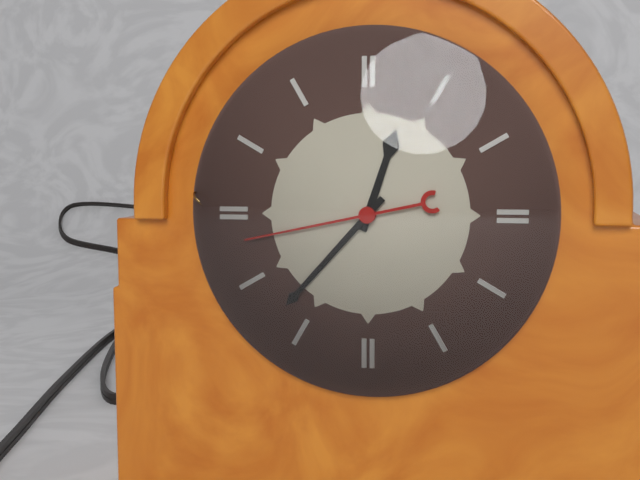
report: 12h37m43s
